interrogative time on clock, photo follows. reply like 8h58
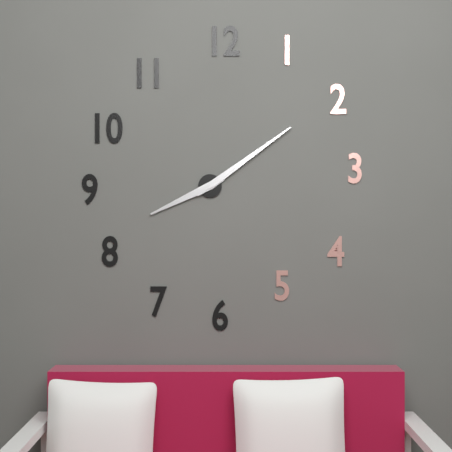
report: 8h09
